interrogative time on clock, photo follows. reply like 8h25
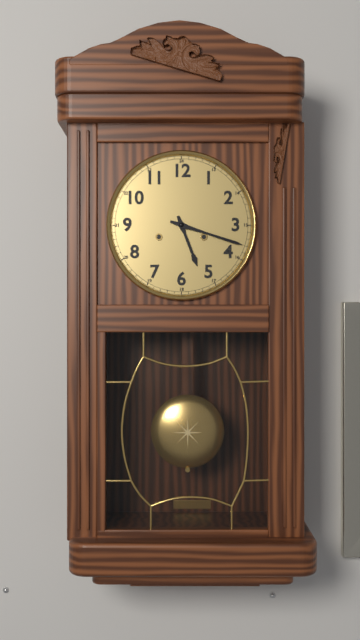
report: 5h18
